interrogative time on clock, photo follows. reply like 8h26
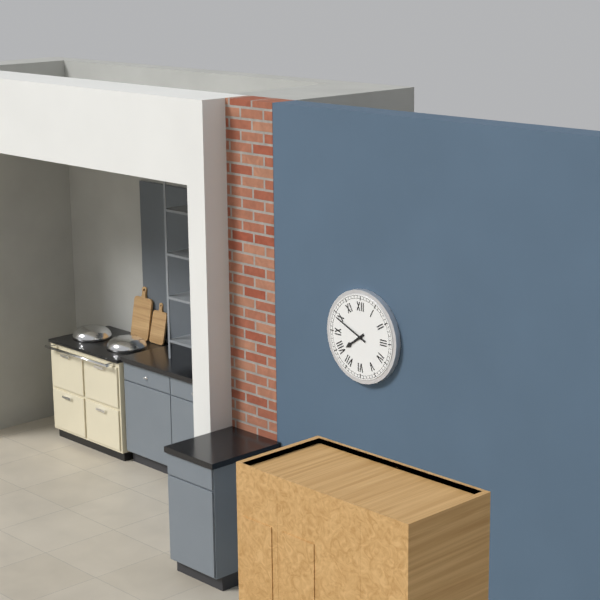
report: 7h49
